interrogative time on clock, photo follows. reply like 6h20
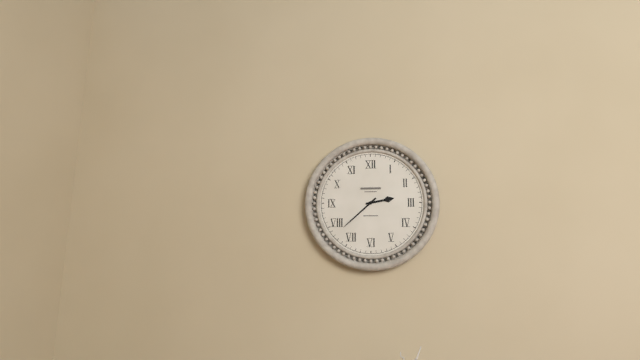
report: 2h38
